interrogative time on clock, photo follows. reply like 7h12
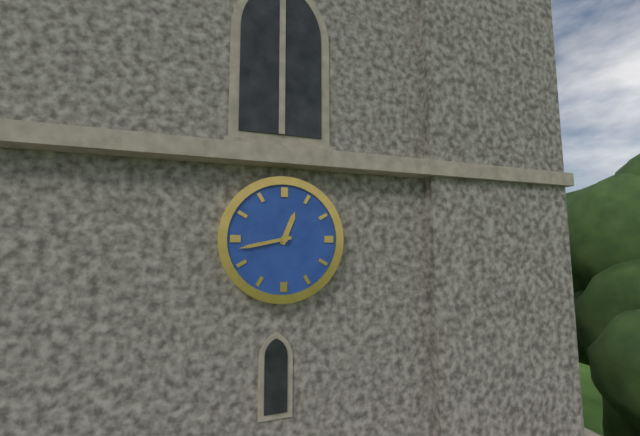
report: 12h43
